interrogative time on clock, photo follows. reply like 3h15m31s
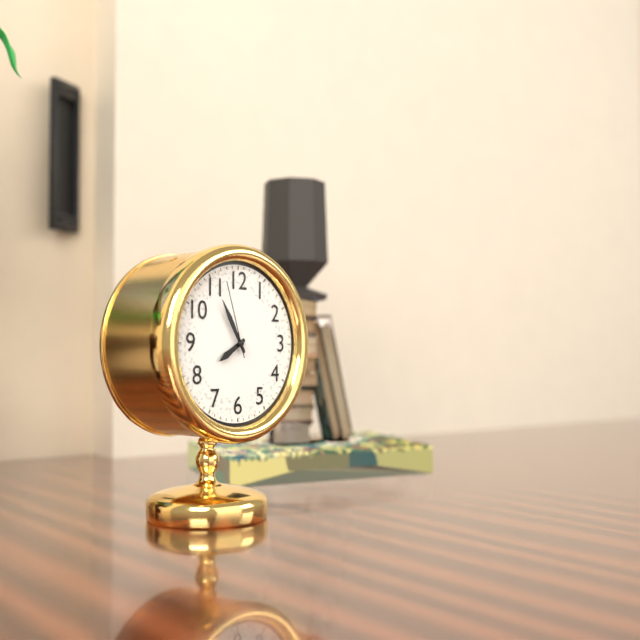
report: 7h55m57s
